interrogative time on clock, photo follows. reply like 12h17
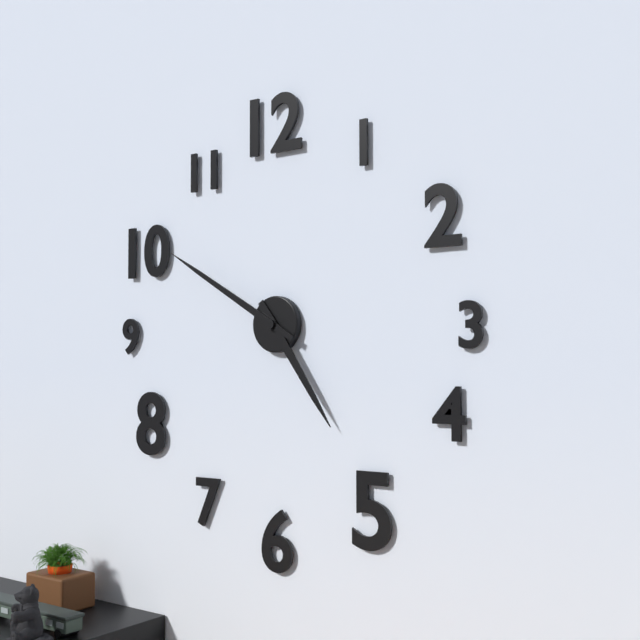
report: 4h50
